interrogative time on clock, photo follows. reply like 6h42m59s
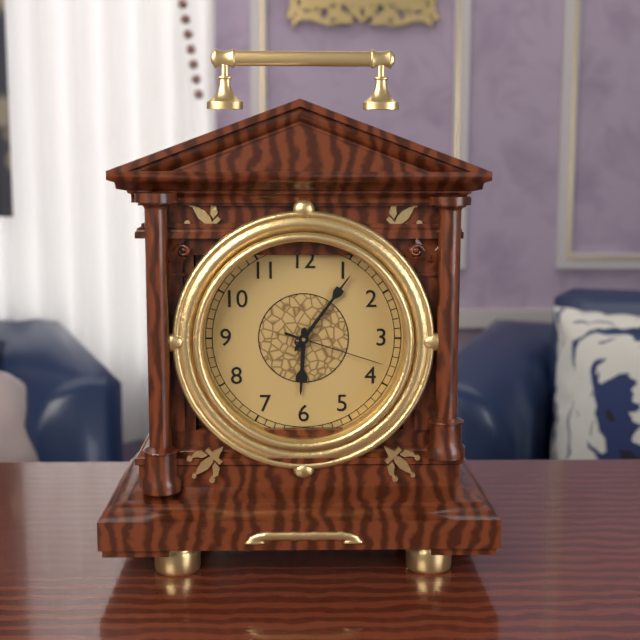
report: 6h06m18s
